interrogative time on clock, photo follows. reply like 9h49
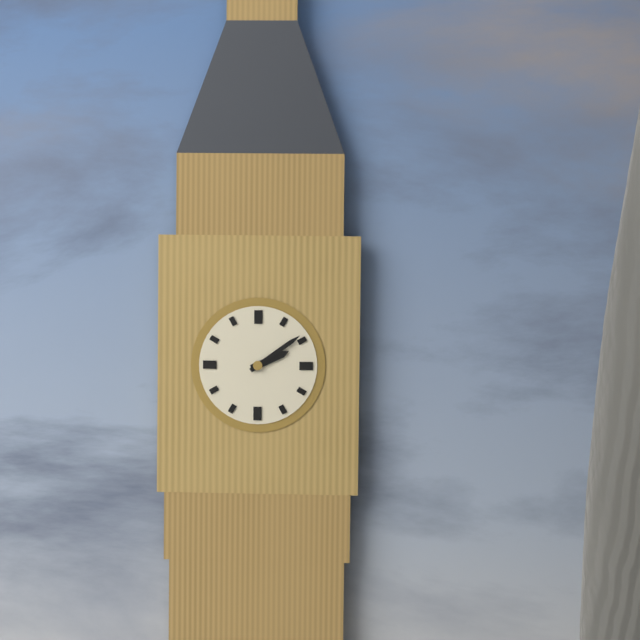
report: 2h09
